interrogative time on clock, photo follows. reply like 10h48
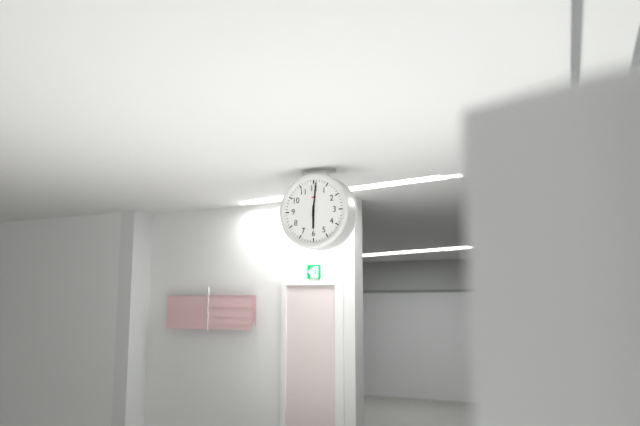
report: 6h01
